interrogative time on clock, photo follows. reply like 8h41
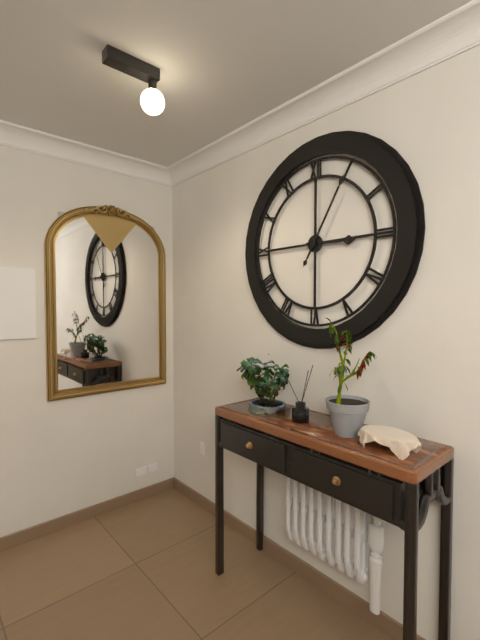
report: 3h05
